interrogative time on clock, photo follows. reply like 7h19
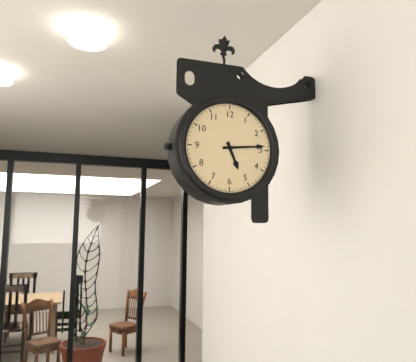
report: 5h14
